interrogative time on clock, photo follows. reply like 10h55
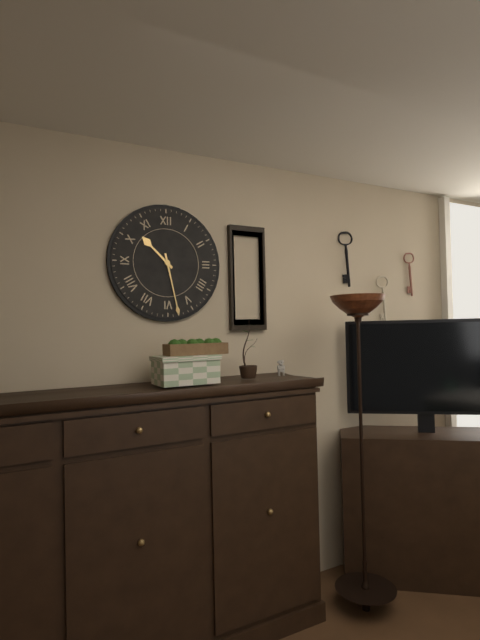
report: 10h28
